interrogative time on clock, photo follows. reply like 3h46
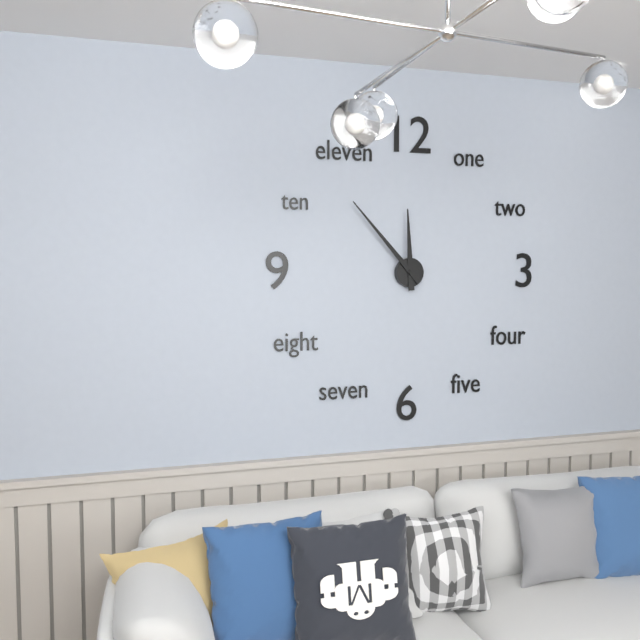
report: 11h53
